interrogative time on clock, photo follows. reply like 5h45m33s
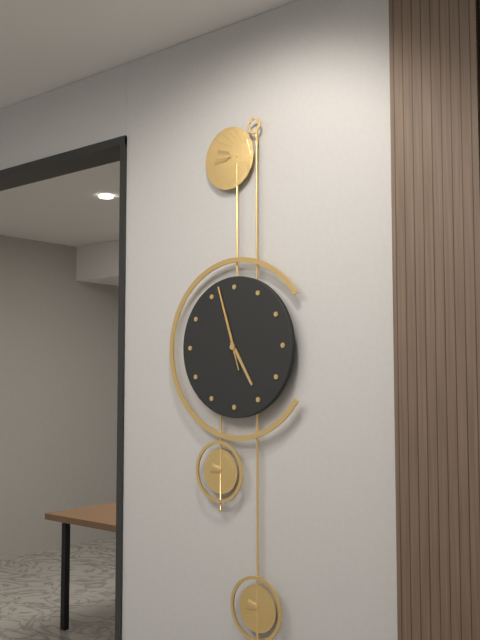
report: 4h57m57s
